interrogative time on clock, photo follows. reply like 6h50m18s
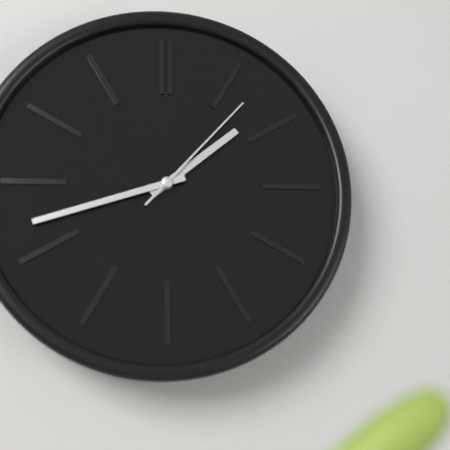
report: 1h42m07s
